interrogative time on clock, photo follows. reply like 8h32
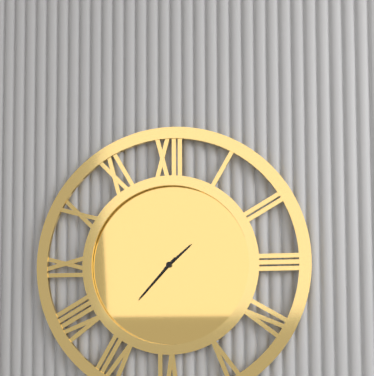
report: 1h37
